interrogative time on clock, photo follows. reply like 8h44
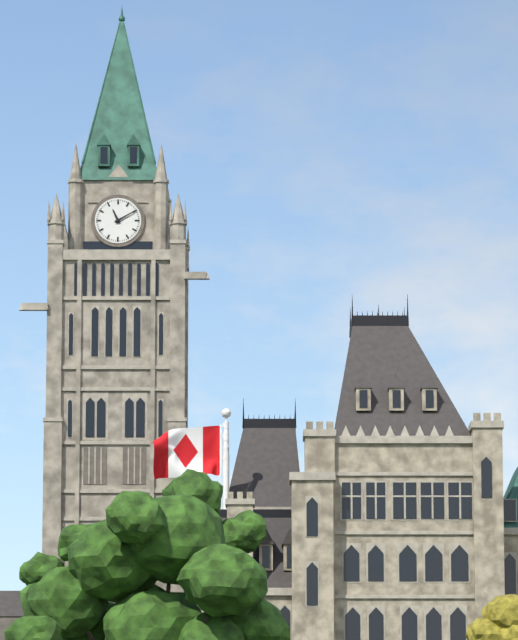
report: 11h10
